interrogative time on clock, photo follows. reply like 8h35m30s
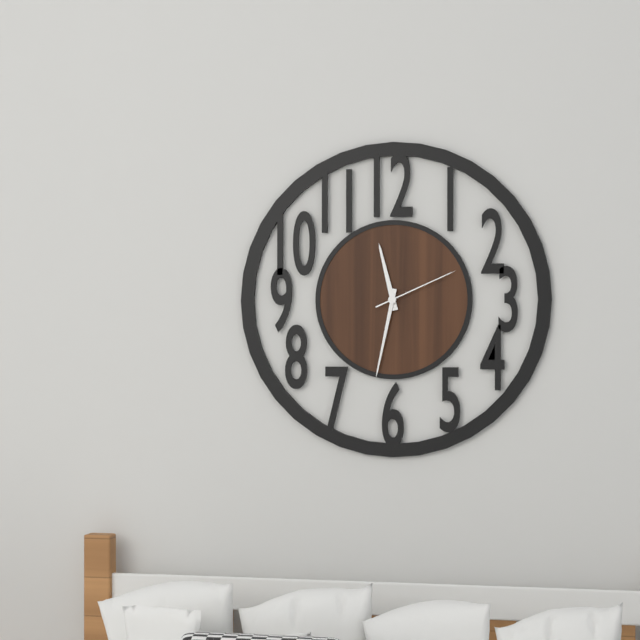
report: 11h32m11s
